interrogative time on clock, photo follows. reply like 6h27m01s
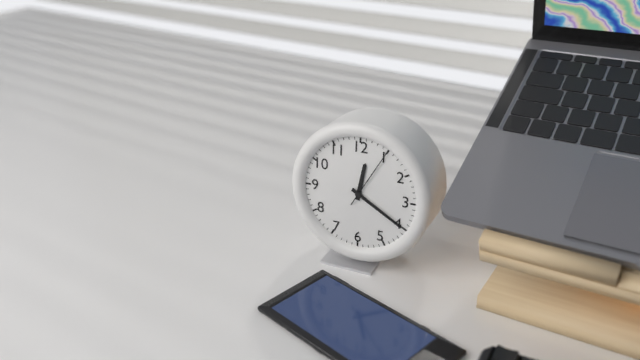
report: 12h20m05s
